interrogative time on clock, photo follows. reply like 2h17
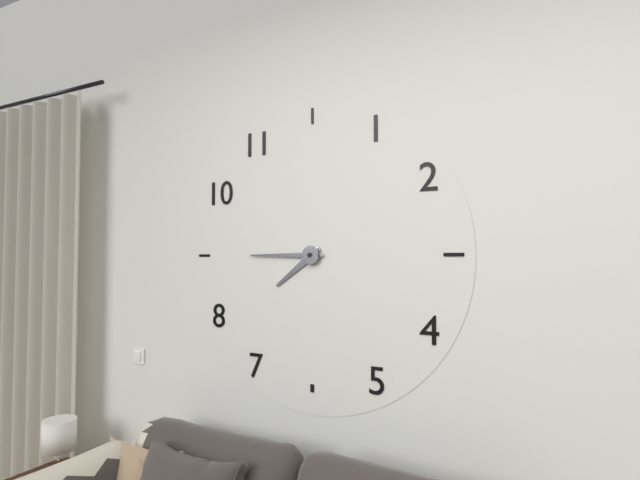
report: 7h45
